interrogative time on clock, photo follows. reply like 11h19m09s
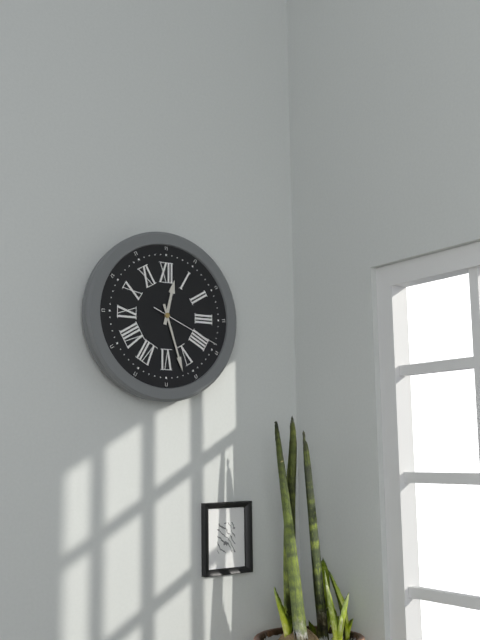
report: 12h27m19s
